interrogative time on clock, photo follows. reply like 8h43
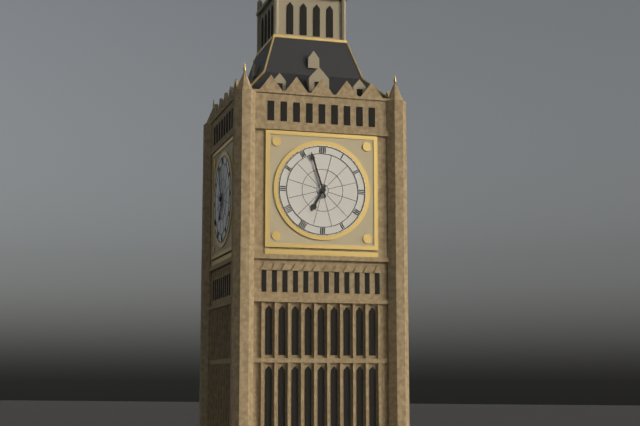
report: 6h57
